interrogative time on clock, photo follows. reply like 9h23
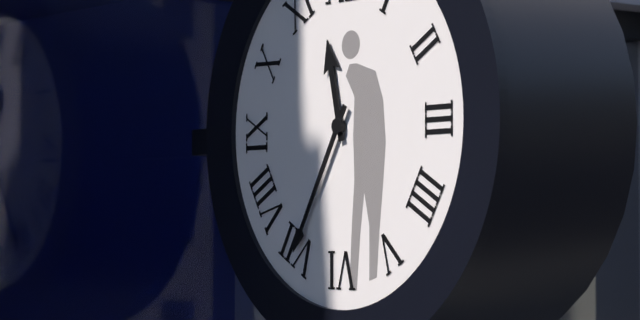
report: 11h35
